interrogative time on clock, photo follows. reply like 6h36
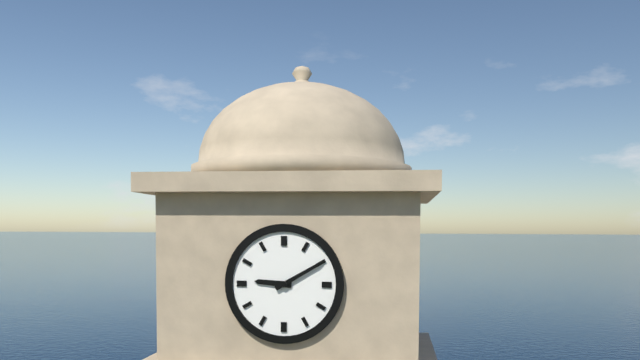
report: 9h10
